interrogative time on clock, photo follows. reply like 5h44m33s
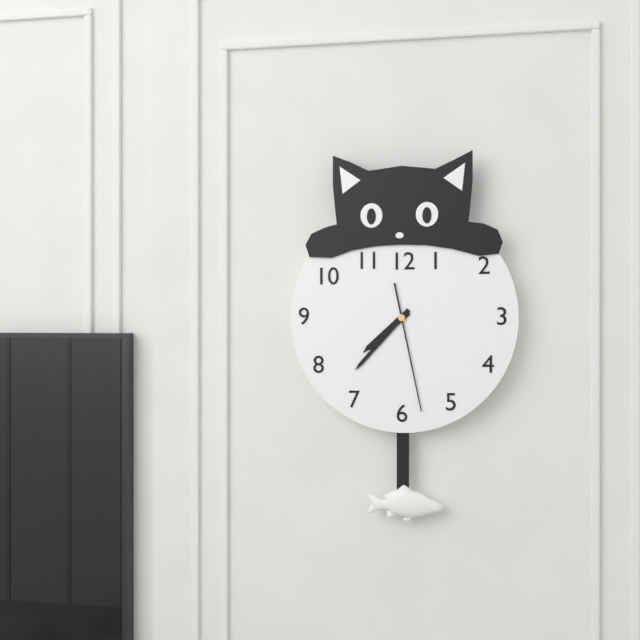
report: 7h37m28s
